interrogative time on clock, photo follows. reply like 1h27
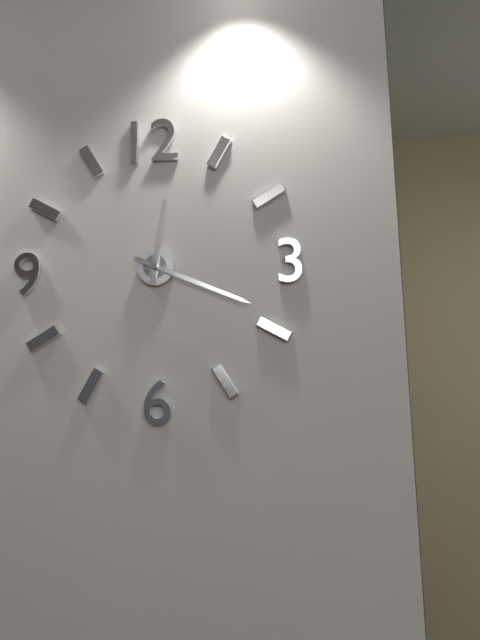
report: 12h19
